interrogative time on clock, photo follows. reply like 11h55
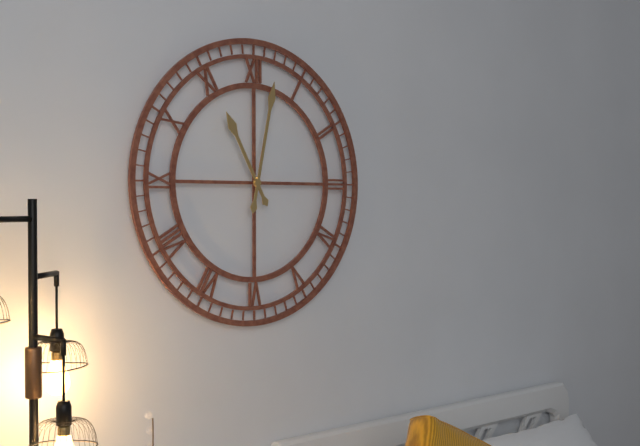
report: 11h02
